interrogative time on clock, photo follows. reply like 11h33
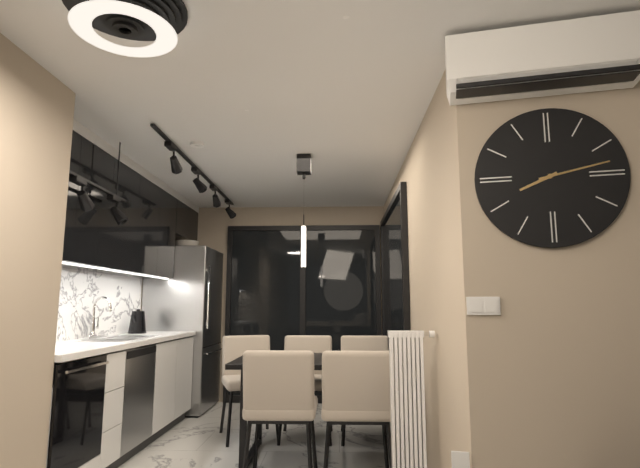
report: 8h13
